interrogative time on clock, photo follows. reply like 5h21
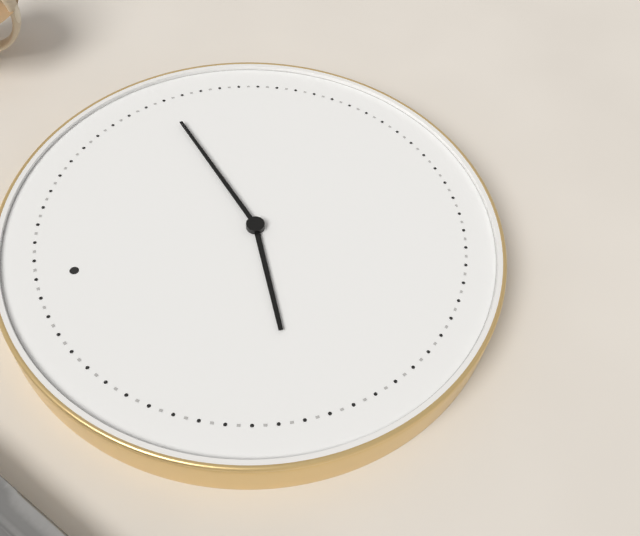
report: 9h13
